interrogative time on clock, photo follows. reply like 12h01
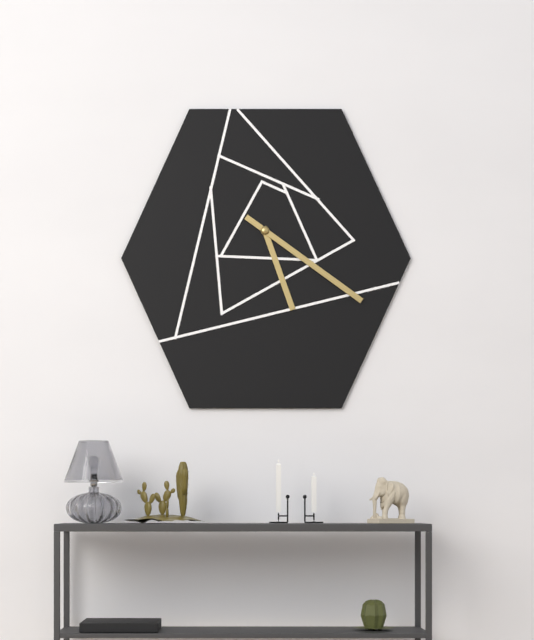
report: 5h21
